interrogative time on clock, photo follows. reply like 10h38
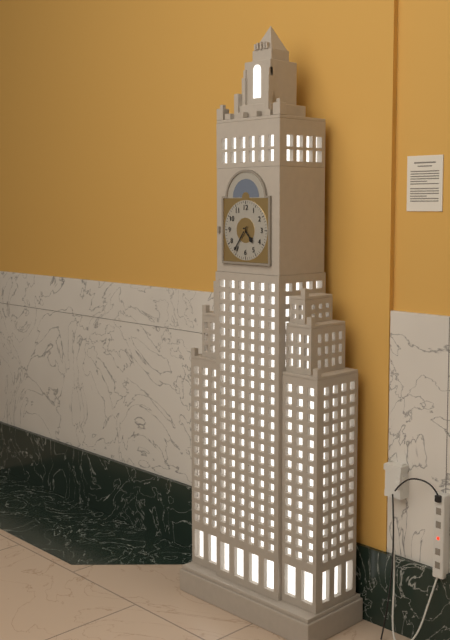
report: 4h36
